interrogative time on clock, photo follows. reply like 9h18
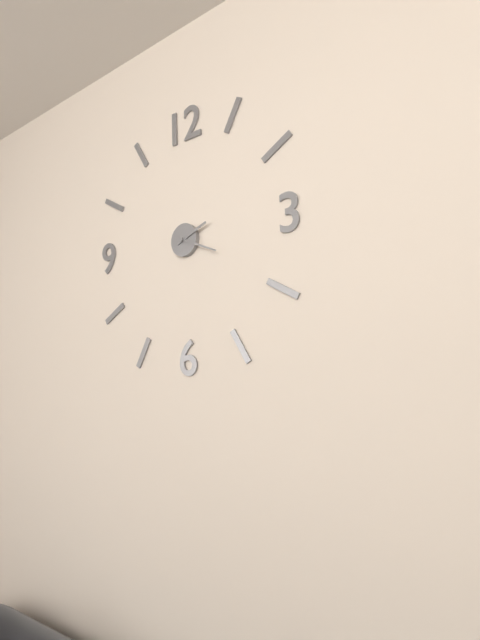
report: 2h19
